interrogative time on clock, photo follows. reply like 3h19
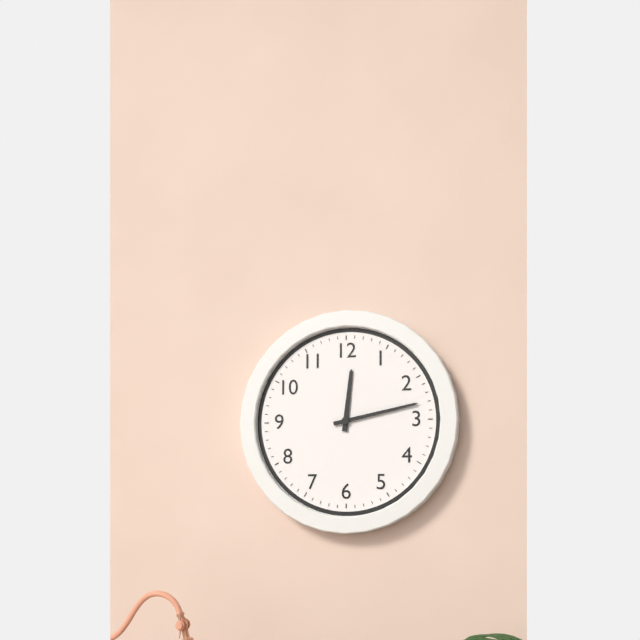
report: 12h13
